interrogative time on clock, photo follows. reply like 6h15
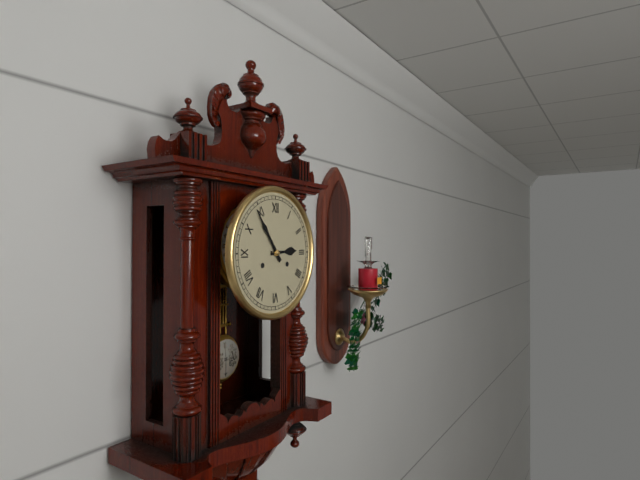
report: 2h54
